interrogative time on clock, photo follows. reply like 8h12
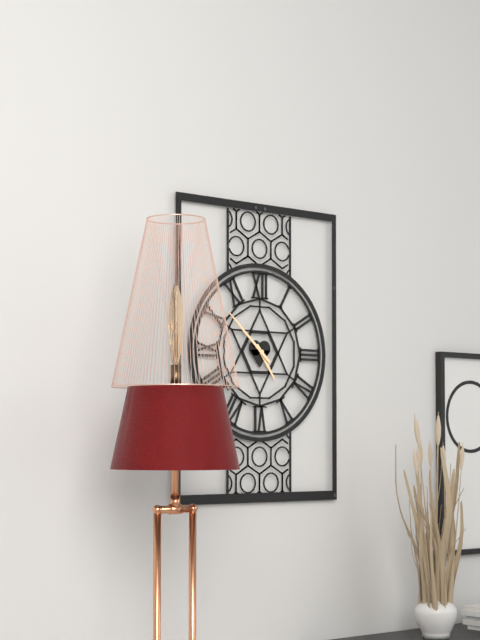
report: 4h52
